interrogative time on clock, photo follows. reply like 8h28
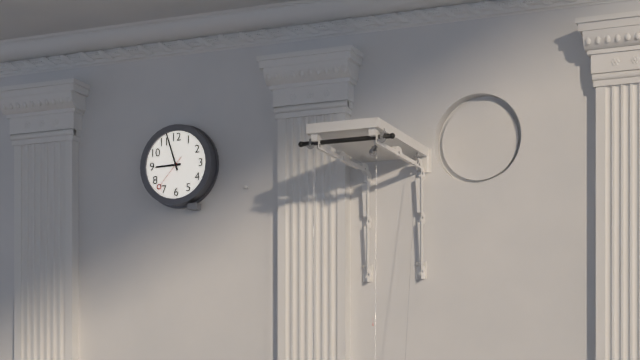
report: 8h57
